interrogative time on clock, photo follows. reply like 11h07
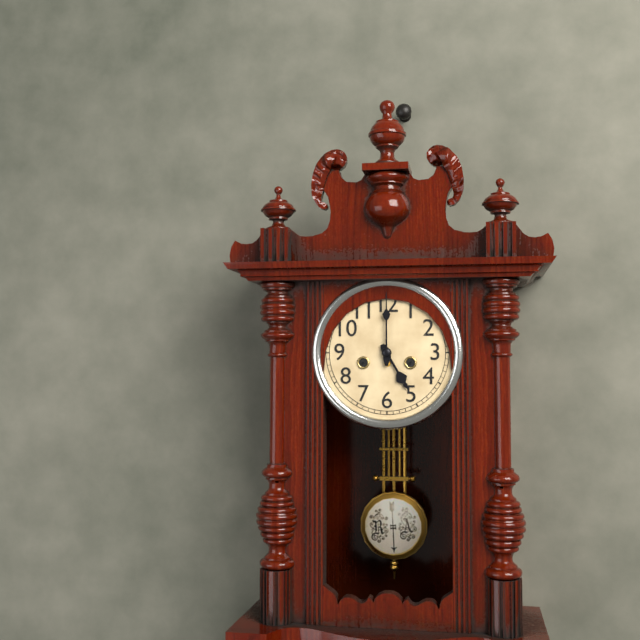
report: 5h00
